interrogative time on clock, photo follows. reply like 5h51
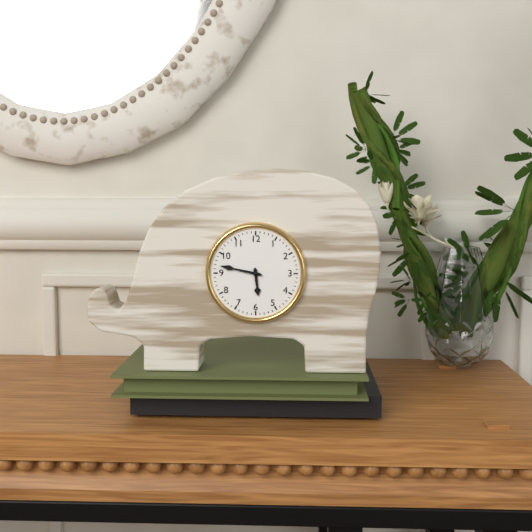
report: 5h47
